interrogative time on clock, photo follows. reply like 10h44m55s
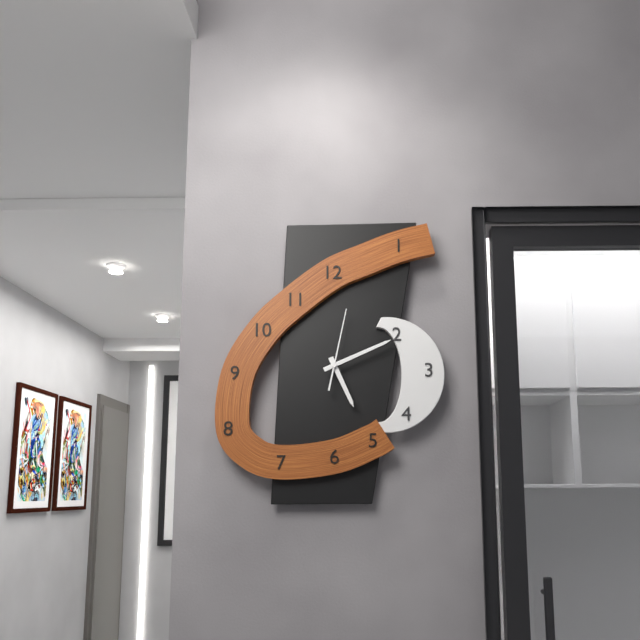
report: 5h11m02s
